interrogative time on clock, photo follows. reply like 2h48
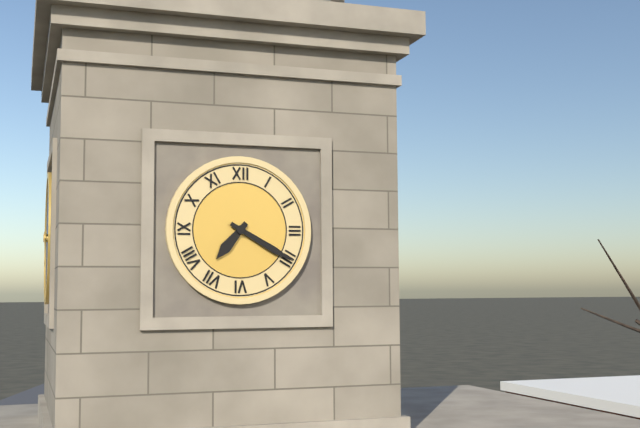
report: 7h20
